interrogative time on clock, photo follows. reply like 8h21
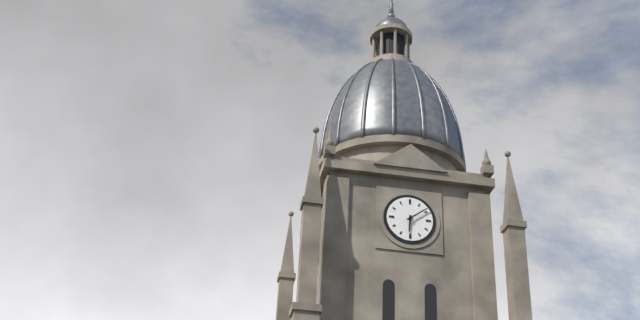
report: 6h09
